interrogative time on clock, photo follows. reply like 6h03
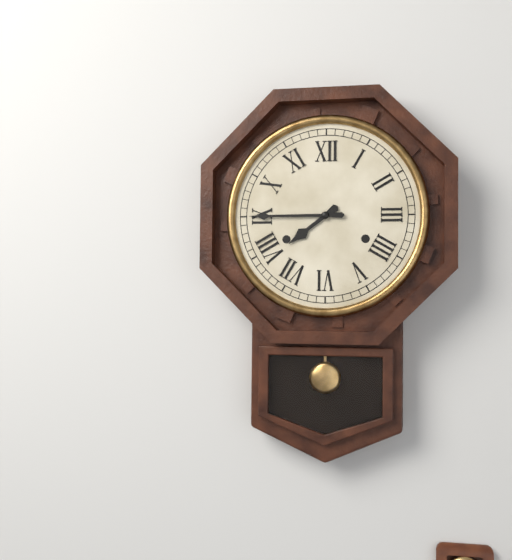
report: 7h45
